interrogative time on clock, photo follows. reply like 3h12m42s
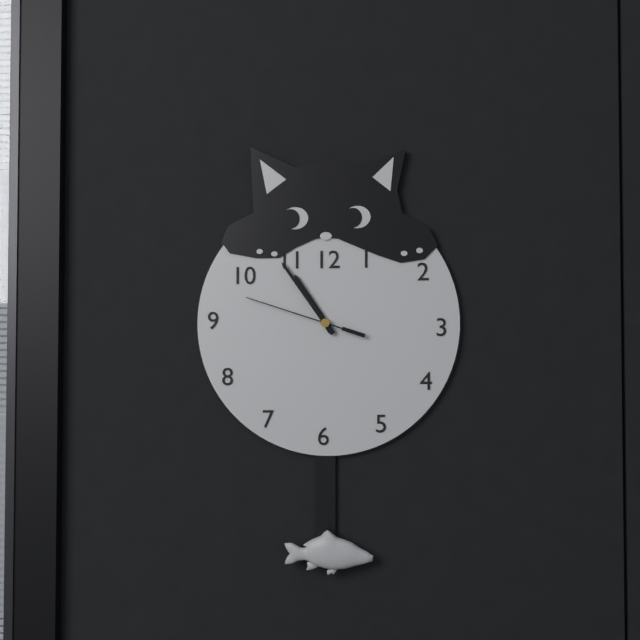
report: 10h54m48s
